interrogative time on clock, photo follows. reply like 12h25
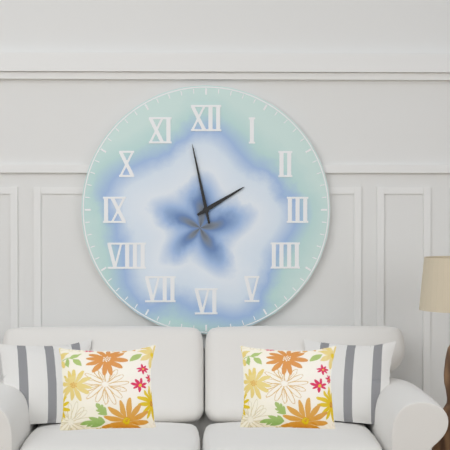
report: 1h58
